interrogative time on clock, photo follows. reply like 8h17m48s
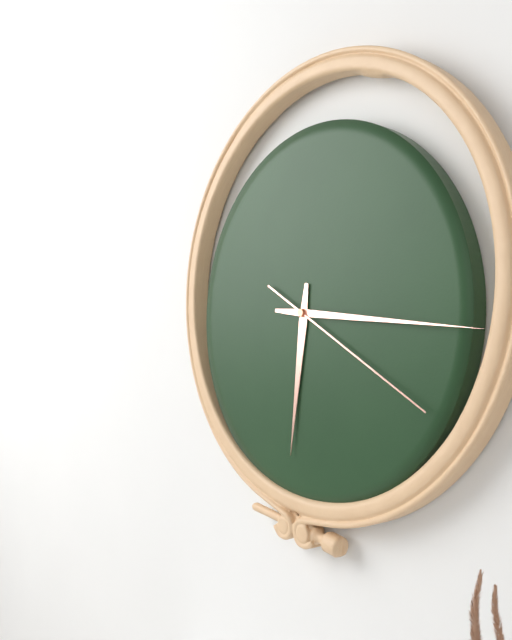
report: 6h16m20s
